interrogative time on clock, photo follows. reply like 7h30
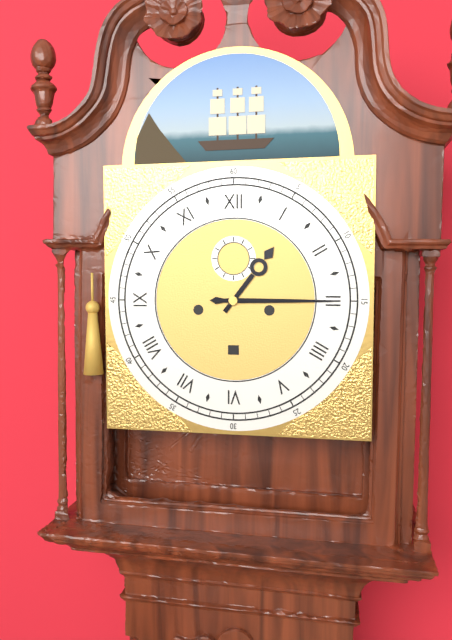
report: 1h15
